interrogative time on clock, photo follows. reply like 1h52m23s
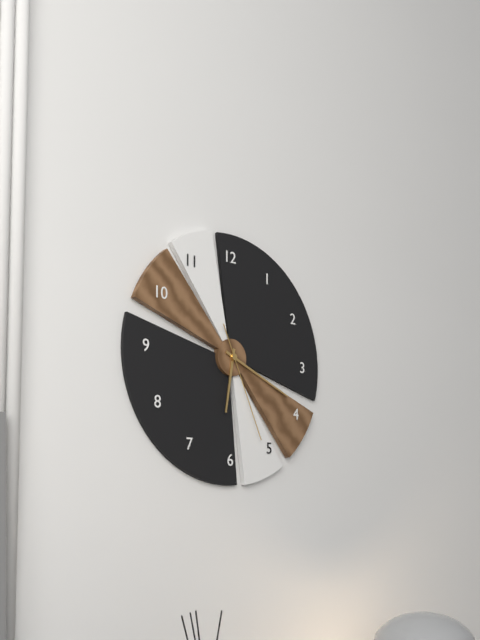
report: 6h19m26s
